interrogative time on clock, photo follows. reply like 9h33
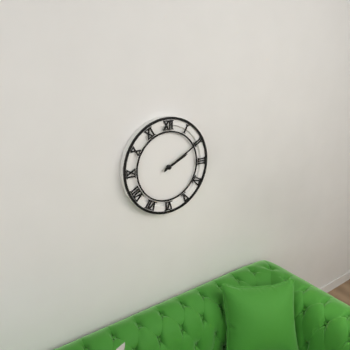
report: 2h10
